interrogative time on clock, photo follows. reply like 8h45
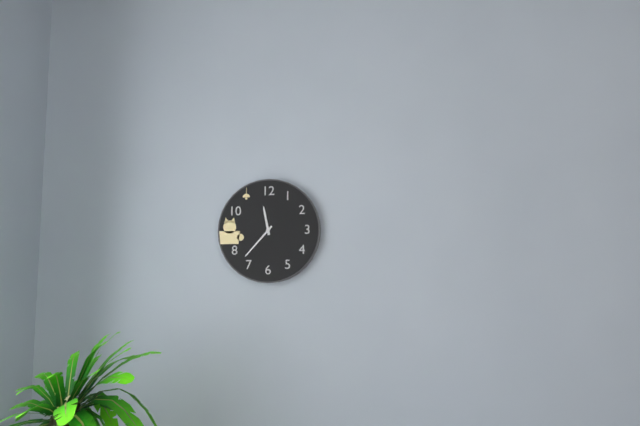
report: 11h37
